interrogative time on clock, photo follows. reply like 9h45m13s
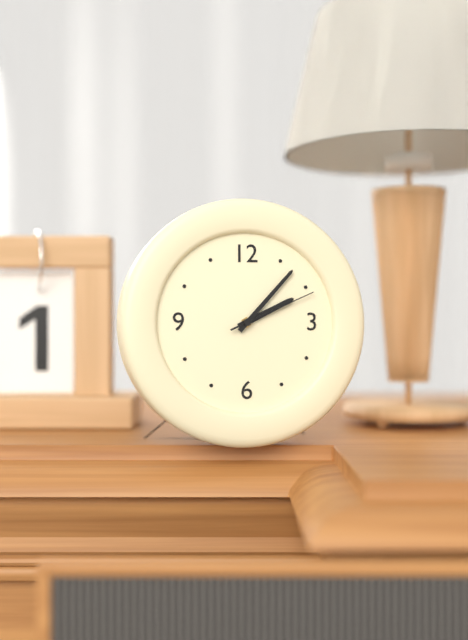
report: 2h07m11s
